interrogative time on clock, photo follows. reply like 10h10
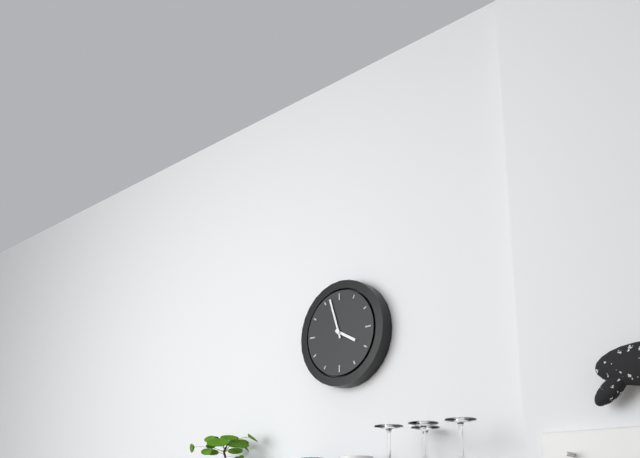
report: 3h57
